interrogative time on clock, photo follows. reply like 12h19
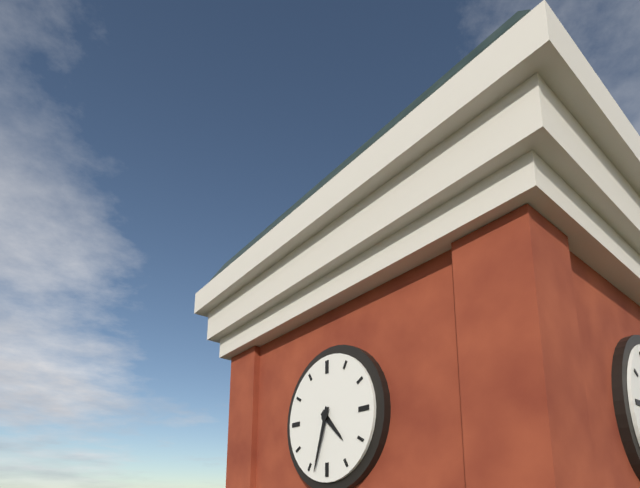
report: 4h33
